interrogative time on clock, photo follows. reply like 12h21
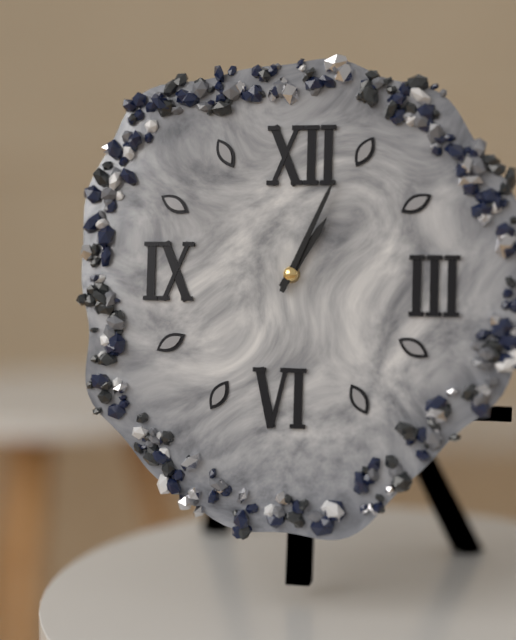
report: 1h04
